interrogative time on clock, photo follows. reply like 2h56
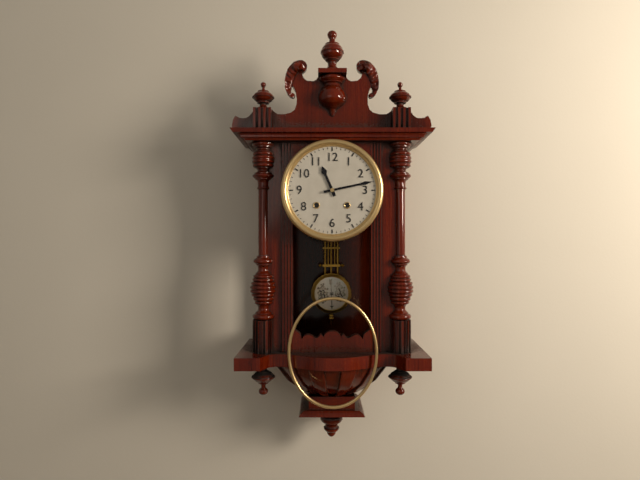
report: 11h13
